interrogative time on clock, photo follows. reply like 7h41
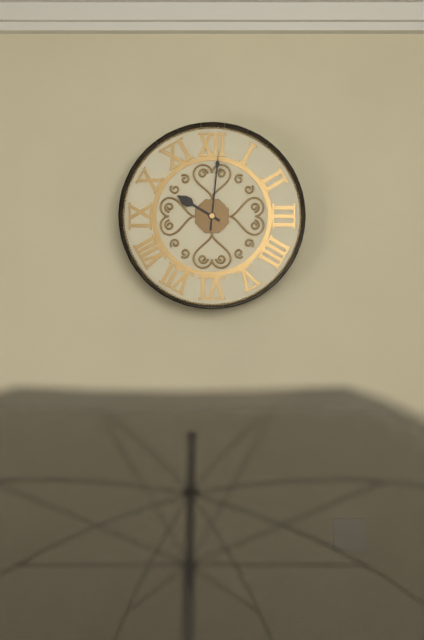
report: 10h01
